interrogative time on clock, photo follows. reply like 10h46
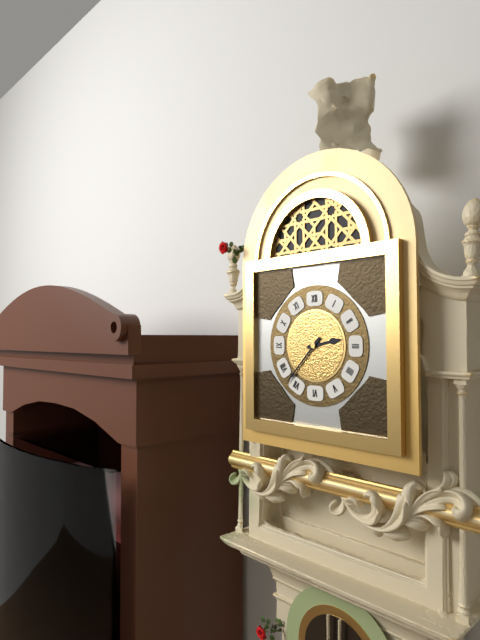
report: 2h37
